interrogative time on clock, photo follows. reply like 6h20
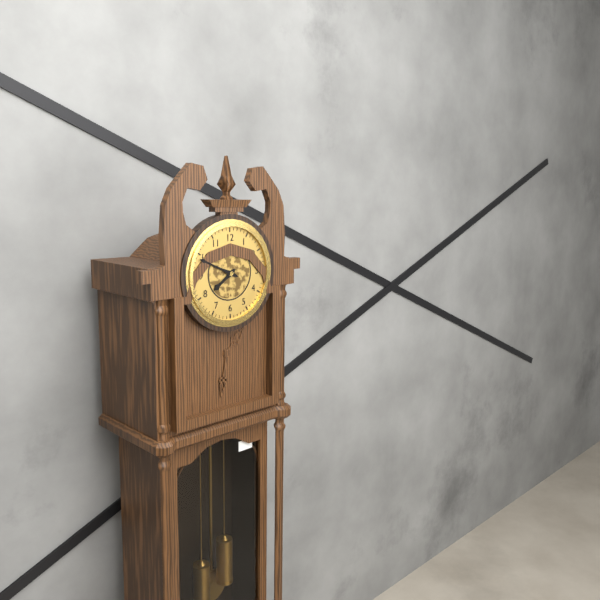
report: 7h49
